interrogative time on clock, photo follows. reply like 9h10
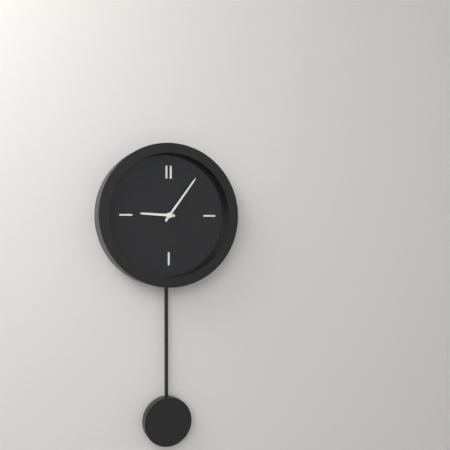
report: 9h06
